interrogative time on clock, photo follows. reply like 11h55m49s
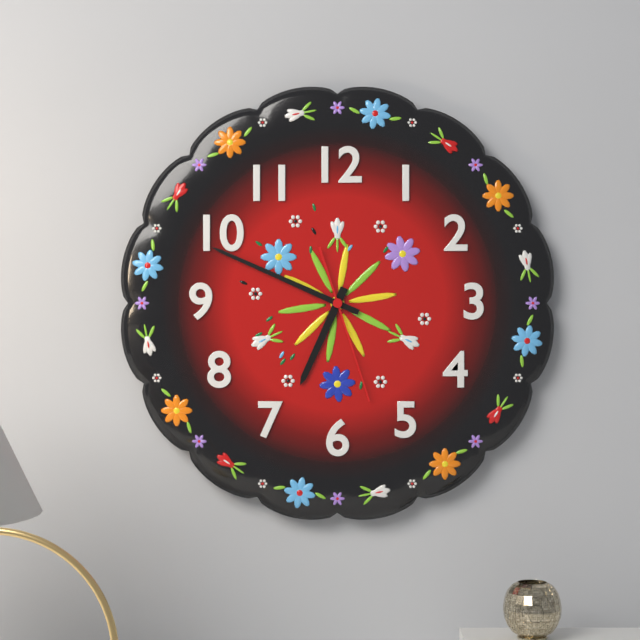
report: 6h49m27s
